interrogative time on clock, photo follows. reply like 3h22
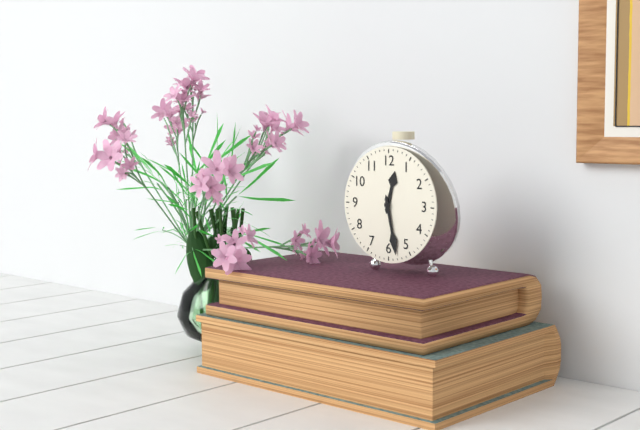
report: 12h28
